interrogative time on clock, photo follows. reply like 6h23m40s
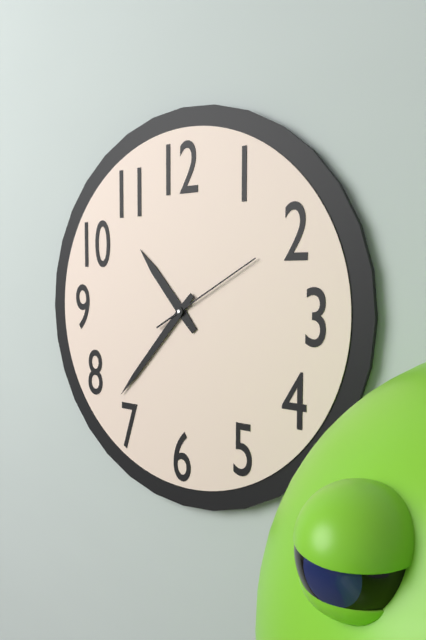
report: 10h37m10s
